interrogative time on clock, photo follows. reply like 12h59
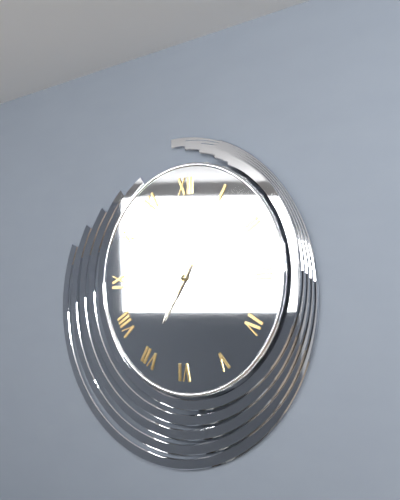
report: 7h05
